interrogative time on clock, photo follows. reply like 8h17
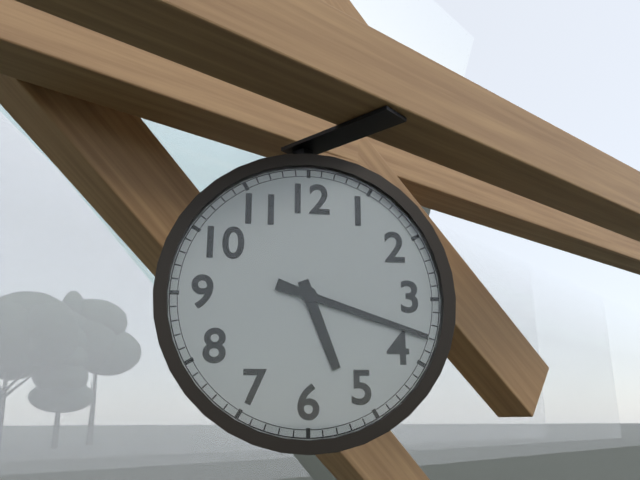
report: 5h18
